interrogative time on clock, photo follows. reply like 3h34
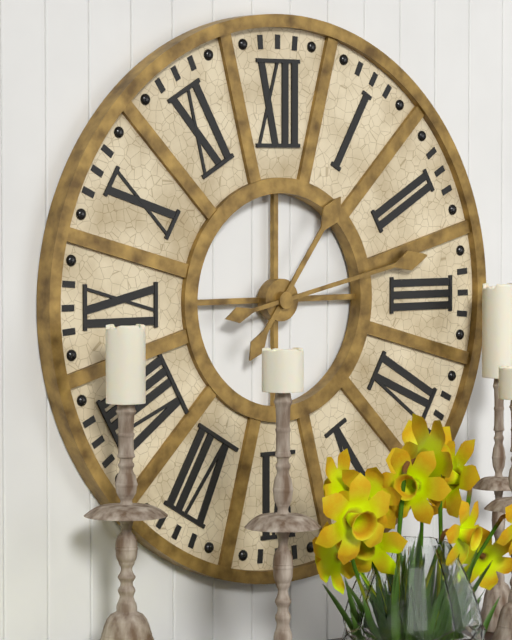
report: 1h13
